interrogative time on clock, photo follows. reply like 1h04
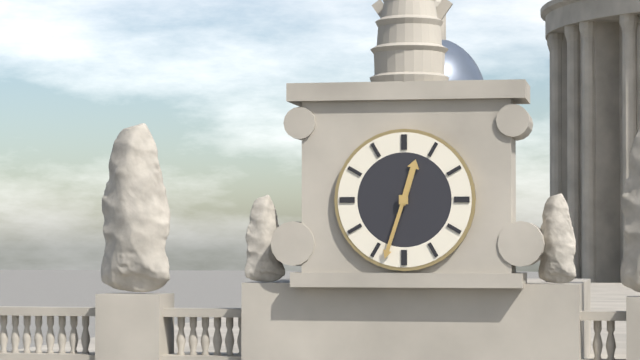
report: 12h33
